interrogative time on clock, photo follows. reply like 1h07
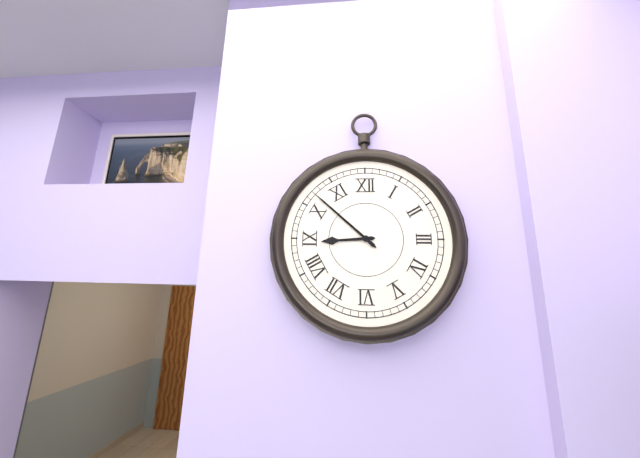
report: 8h52
